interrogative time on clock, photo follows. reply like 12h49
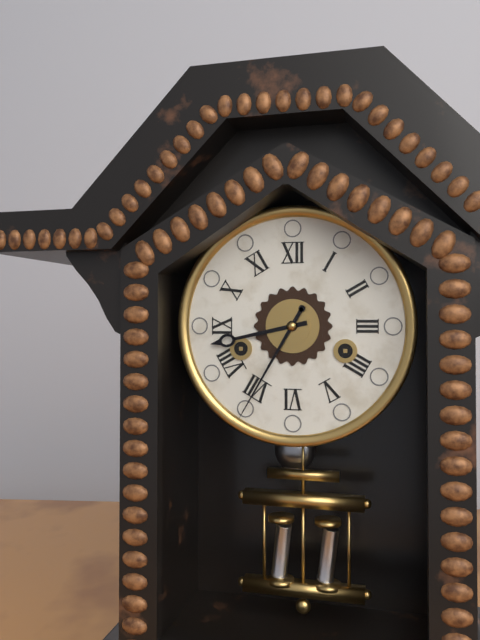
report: 8h35
